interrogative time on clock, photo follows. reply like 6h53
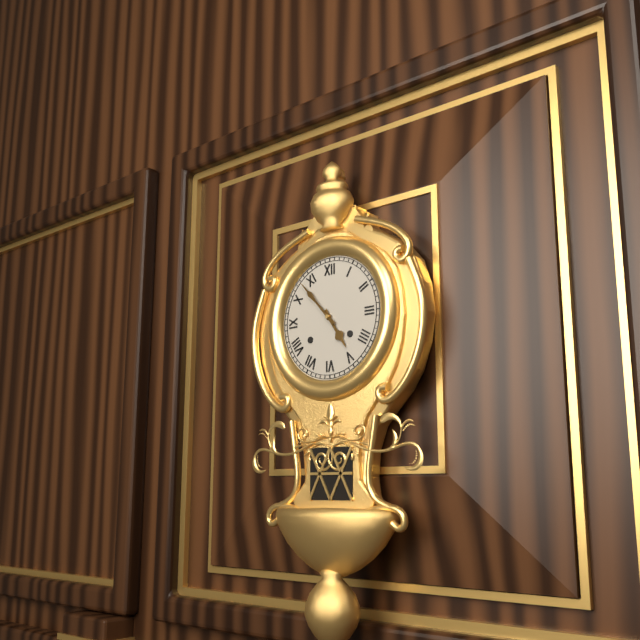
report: 4h53
